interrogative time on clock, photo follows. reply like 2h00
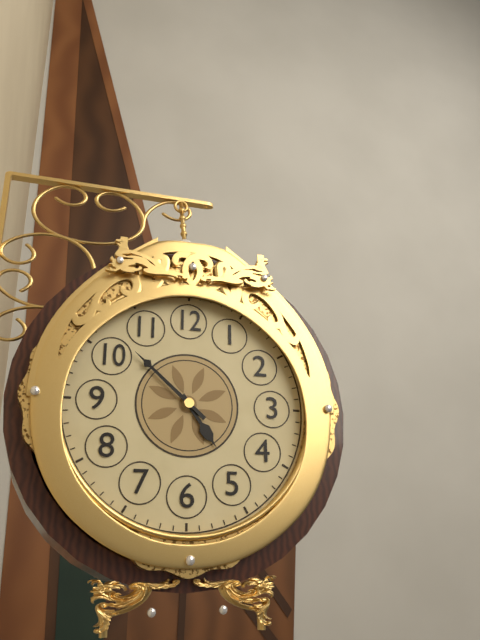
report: 4h52
